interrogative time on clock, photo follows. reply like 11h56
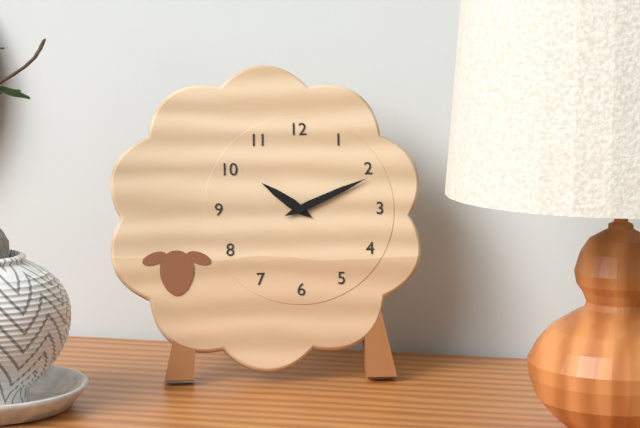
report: 10h11
